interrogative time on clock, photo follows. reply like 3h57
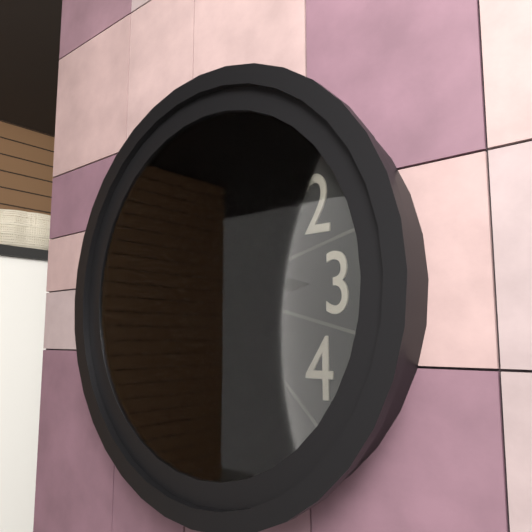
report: 11h15
